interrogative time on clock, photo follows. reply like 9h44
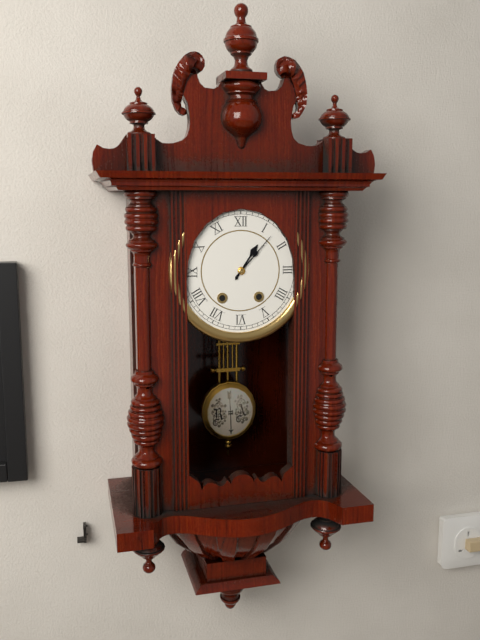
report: 1h07
